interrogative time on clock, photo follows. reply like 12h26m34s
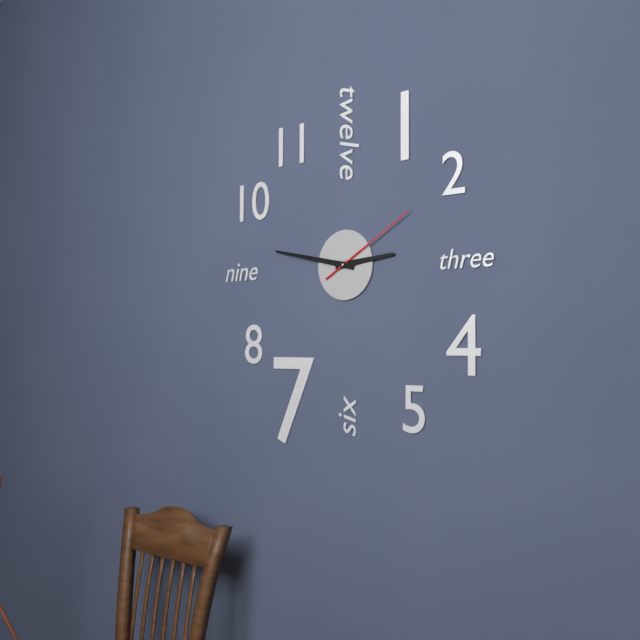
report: 2h47m10s
